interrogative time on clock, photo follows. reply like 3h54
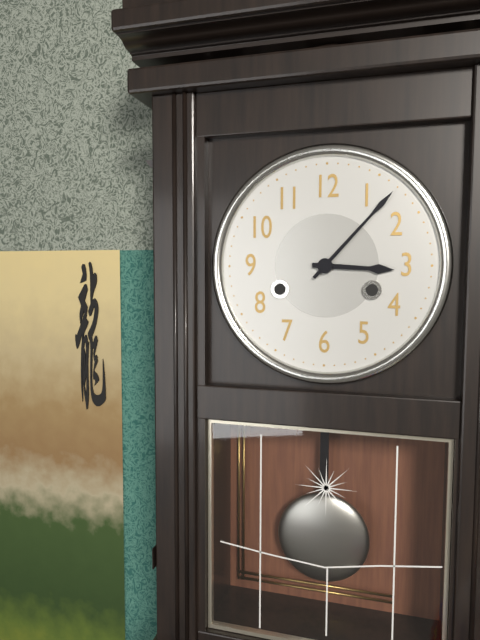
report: 3h07
